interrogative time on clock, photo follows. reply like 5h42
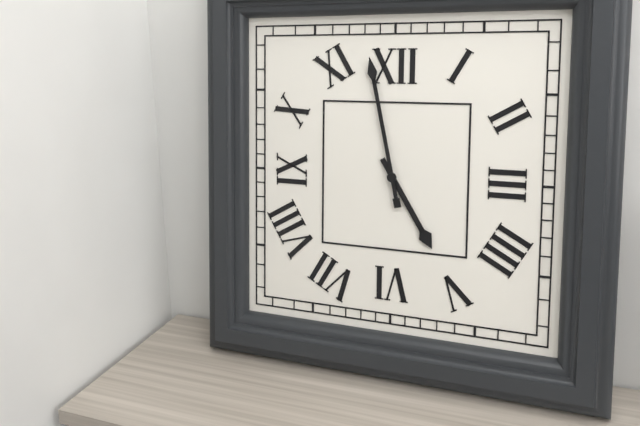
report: 4h58
